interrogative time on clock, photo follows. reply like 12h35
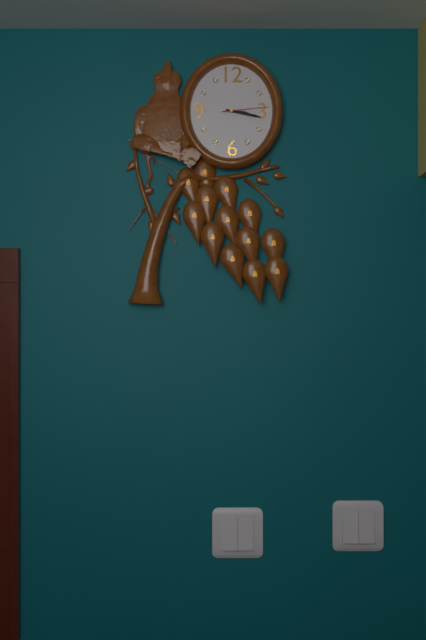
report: 3h17
